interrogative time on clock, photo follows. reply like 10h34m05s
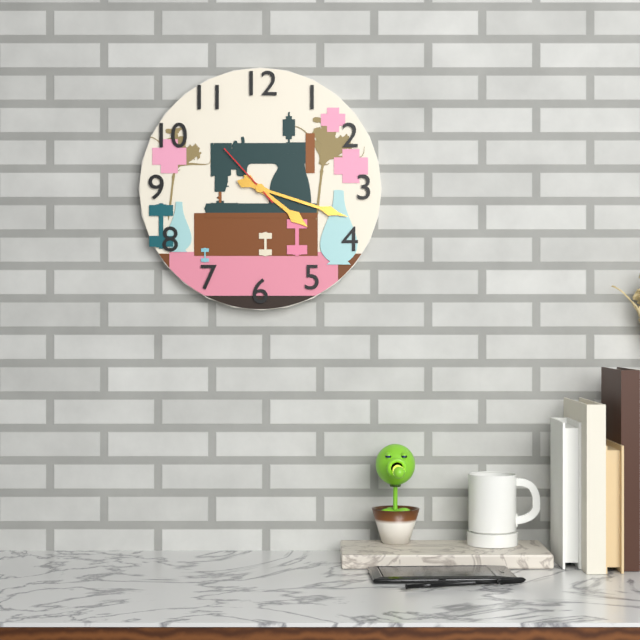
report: 4h18m53s
